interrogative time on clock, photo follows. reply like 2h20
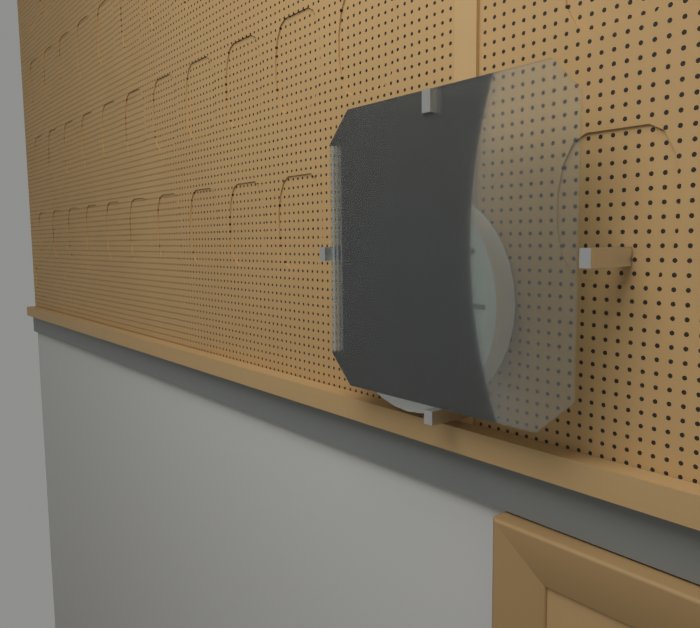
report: 5h02
